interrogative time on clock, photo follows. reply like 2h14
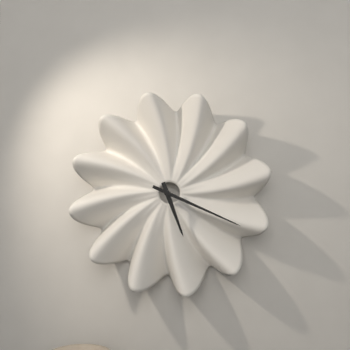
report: 5h19
